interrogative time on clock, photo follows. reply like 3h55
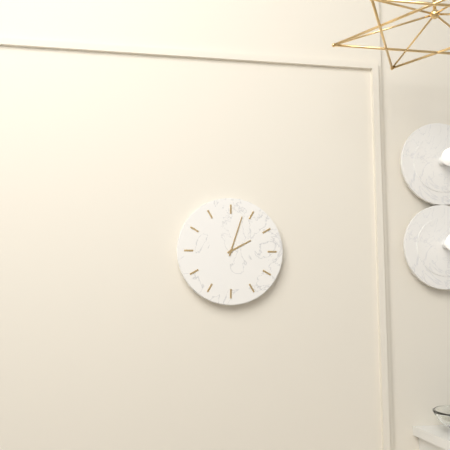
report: 2h03
